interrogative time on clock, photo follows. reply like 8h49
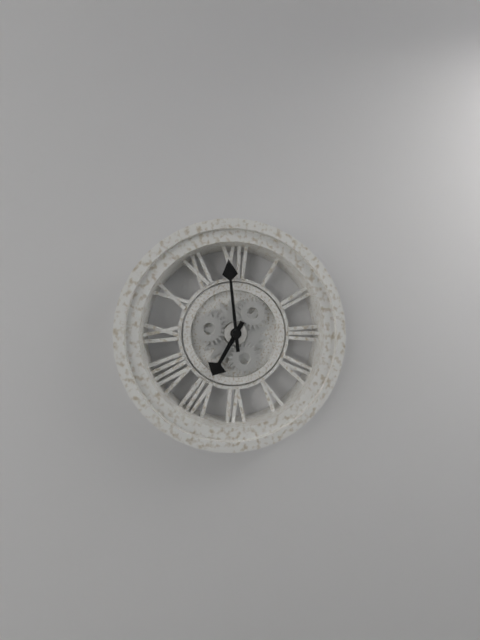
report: 6h59
